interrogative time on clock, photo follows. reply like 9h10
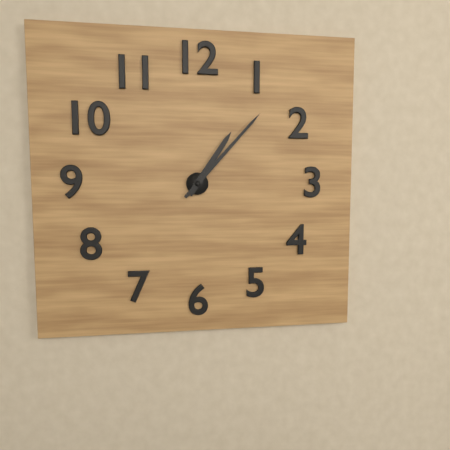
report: 1h07
